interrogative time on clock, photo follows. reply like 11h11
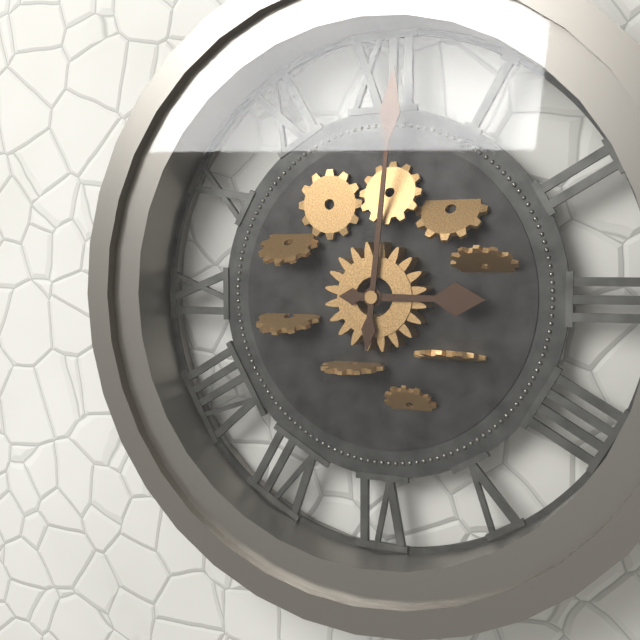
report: 3h01
